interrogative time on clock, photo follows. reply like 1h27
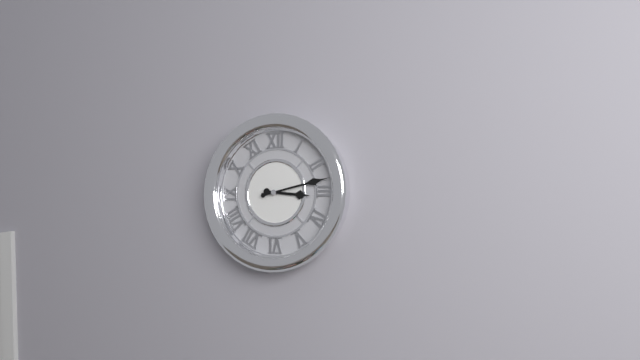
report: 3h13
